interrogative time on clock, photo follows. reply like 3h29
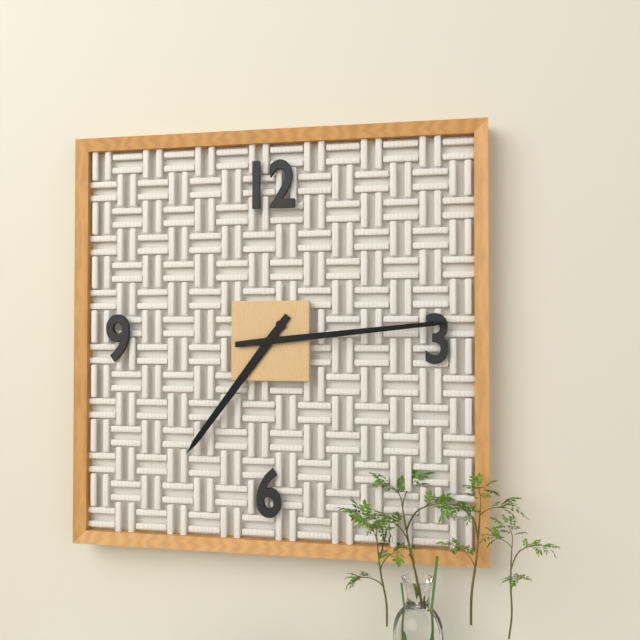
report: 7h14
